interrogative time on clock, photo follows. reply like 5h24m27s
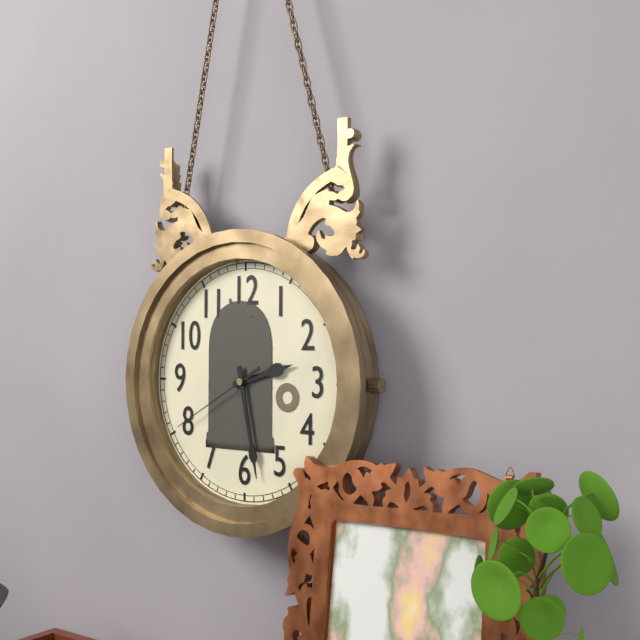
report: 2h28m40s
